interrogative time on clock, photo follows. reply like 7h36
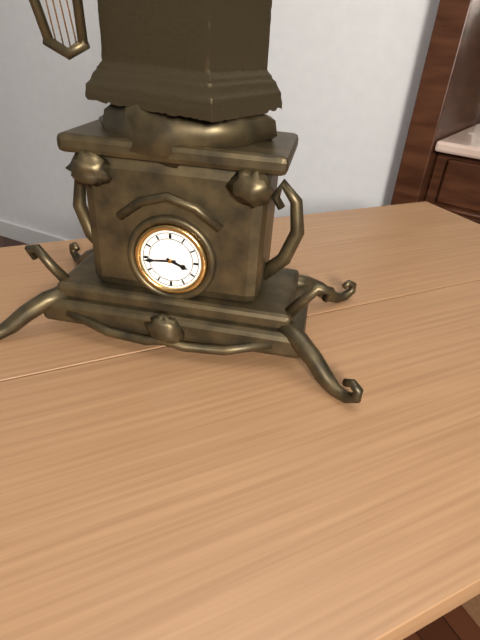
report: 3h44
